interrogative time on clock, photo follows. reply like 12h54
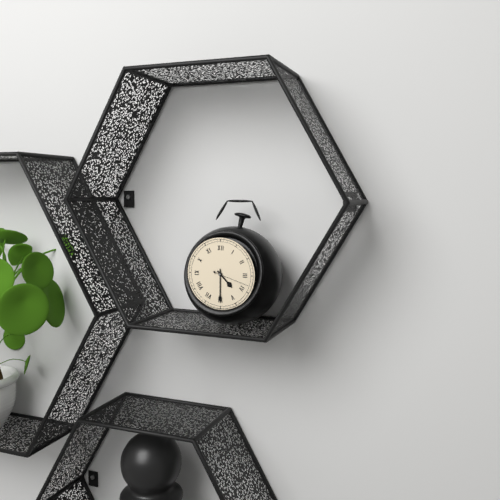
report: 4h30
